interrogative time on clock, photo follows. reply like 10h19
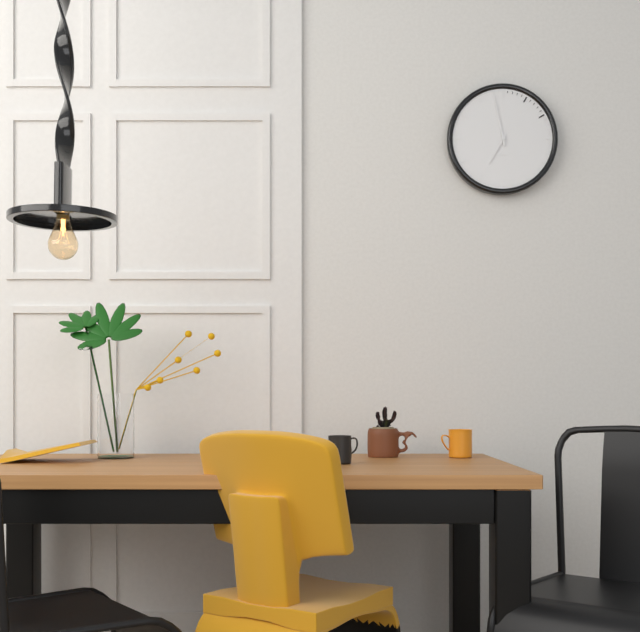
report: 6h58
